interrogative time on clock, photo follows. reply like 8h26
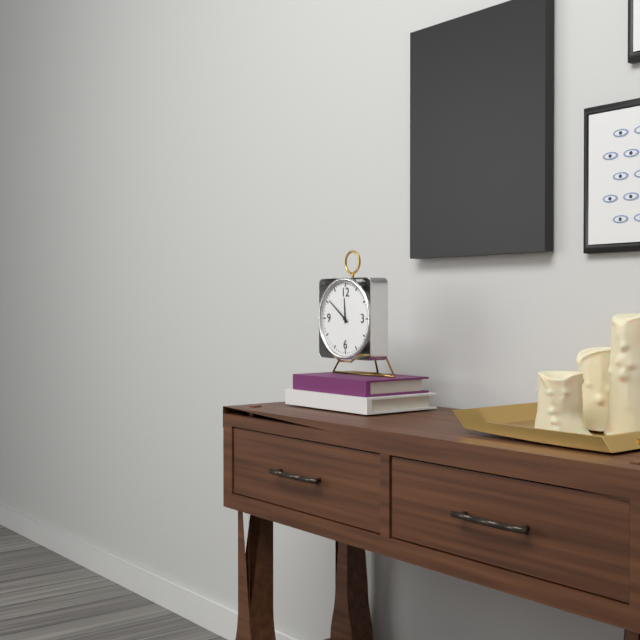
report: 11h51
